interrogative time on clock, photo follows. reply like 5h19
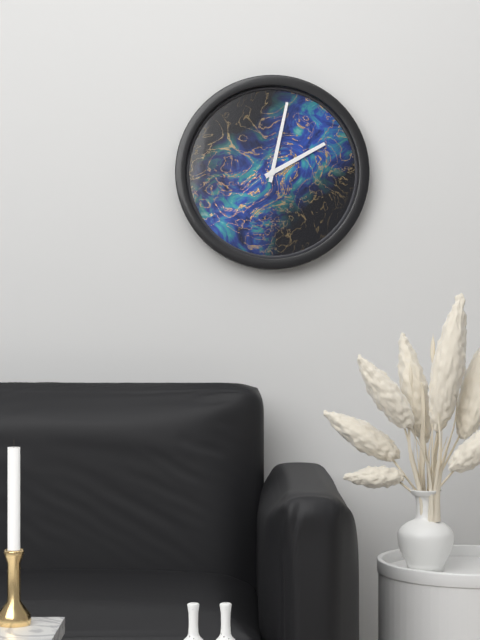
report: 2h02
